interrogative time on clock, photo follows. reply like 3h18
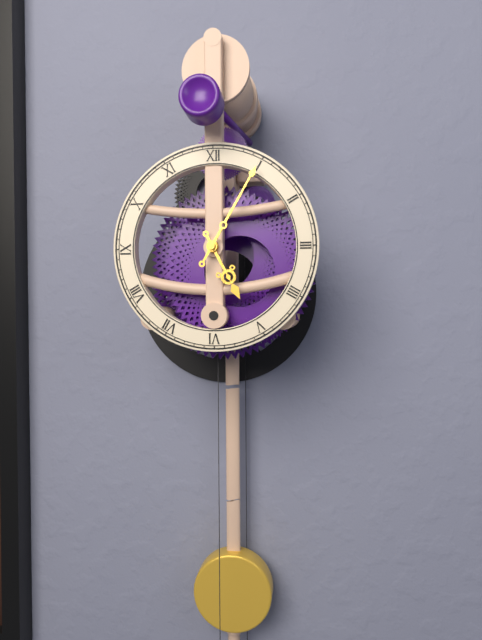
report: 5h05
